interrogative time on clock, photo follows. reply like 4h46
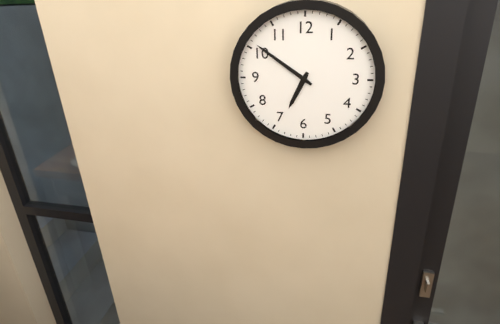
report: 6h51
